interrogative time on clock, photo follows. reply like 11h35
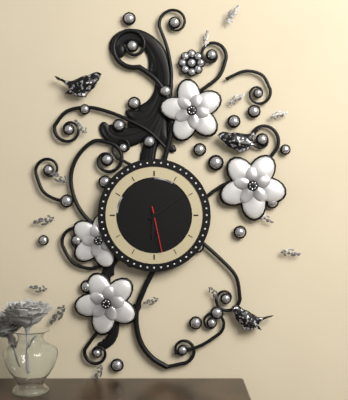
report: 6h09
